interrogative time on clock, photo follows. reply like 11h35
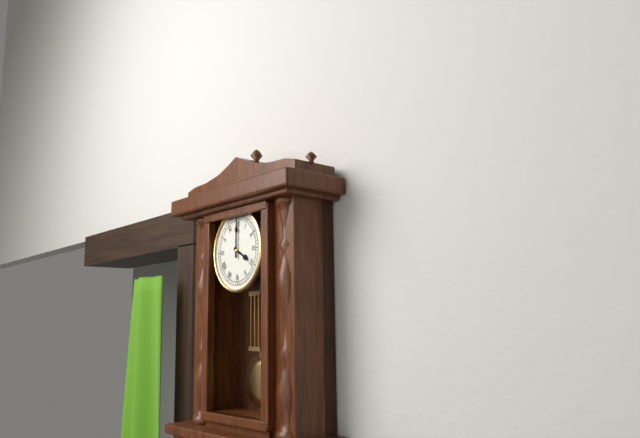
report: 4h00
